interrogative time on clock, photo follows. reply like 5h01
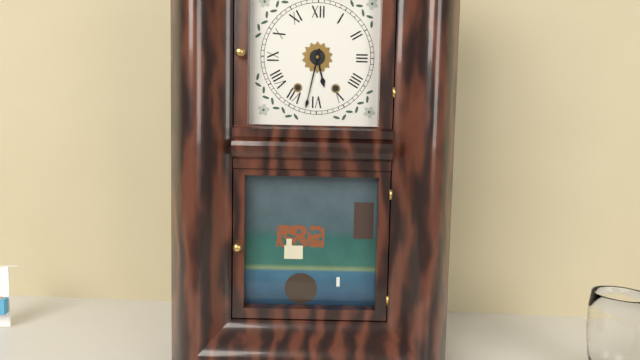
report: 5h32
